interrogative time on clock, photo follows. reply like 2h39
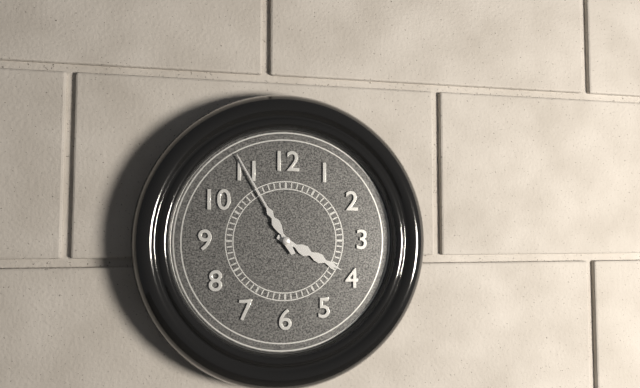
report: 3h55
